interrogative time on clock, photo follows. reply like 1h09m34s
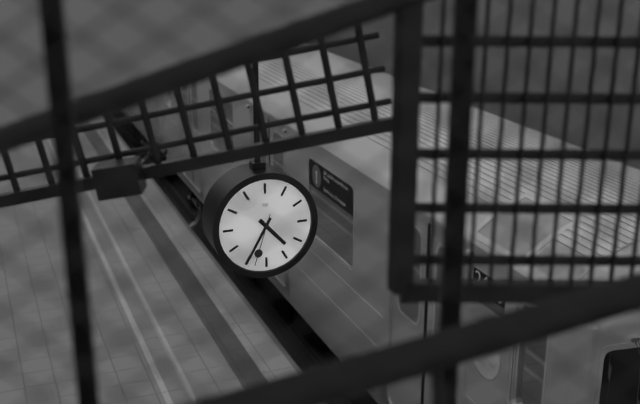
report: 4h35m33s
